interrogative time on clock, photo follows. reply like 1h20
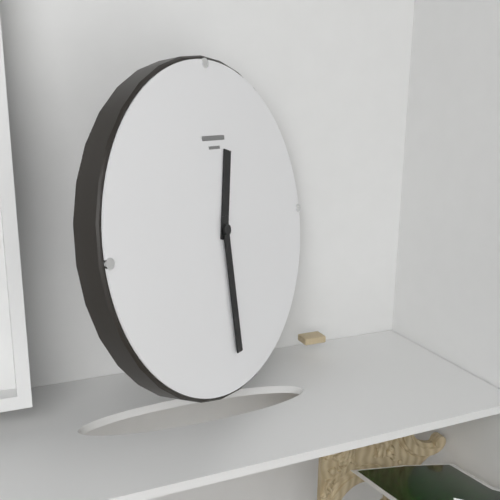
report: 12h30
